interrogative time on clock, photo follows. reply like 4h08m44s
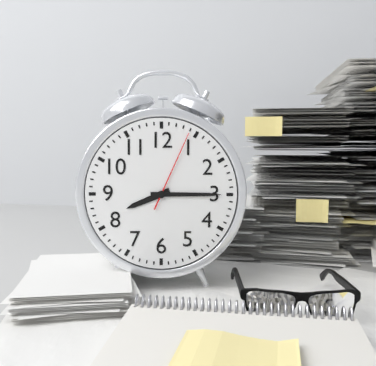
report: 8h15m04s
